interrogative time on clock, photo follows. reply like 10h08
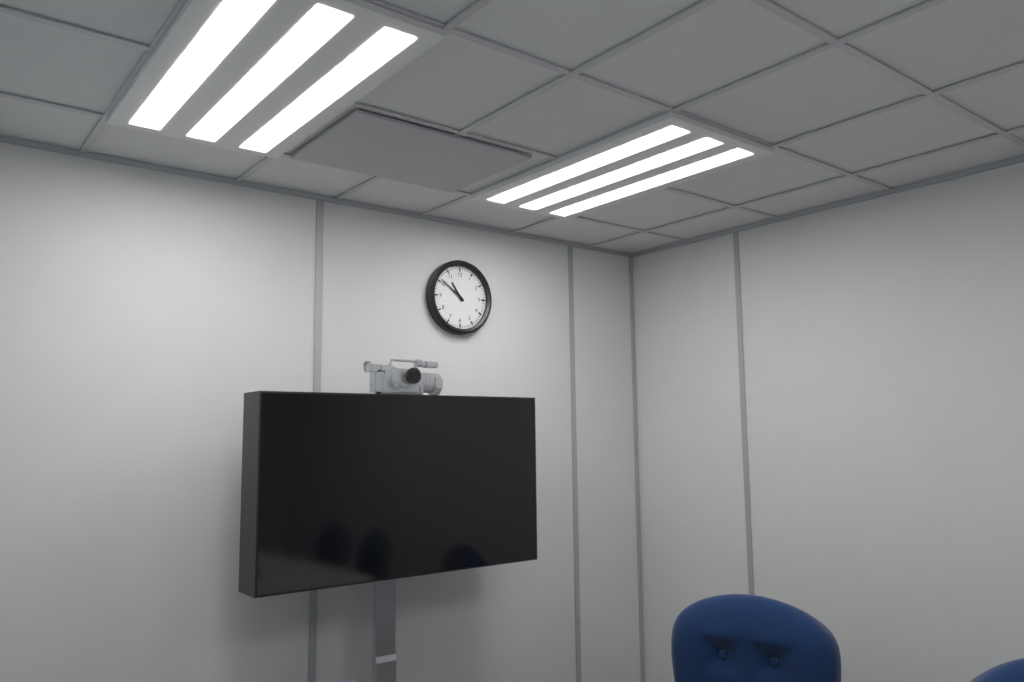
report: 10h51
